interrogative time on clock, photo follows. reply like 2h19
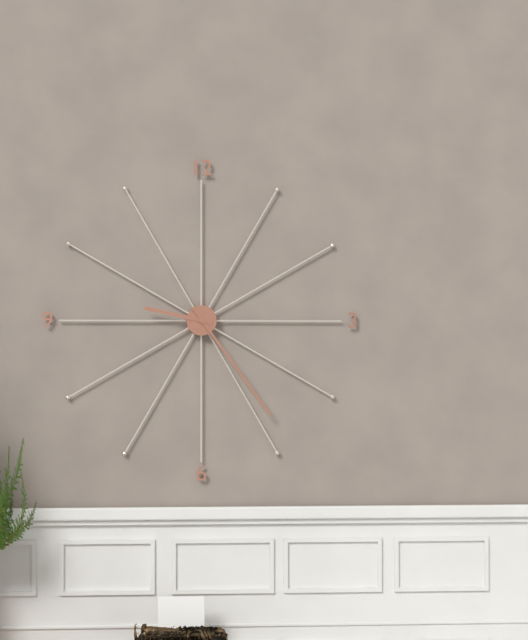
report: 9h24
